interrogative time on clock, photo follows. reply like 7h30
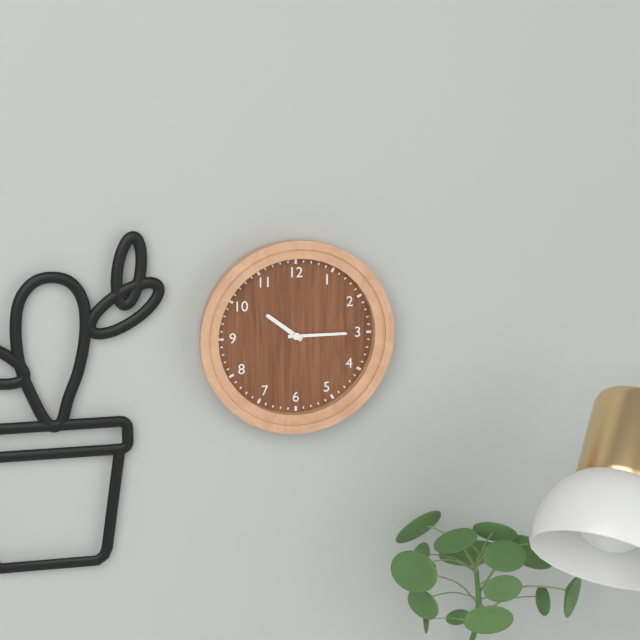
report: 10h15
